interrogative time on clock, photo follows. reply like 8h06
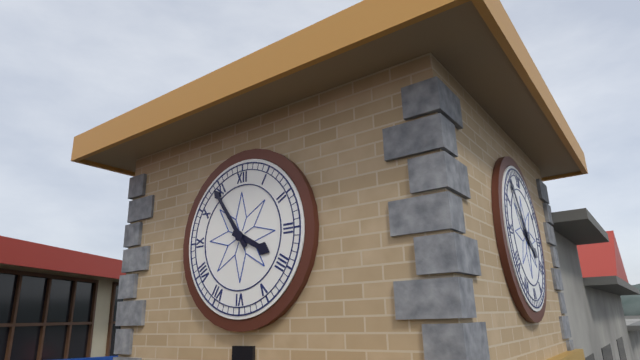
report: 3h54
